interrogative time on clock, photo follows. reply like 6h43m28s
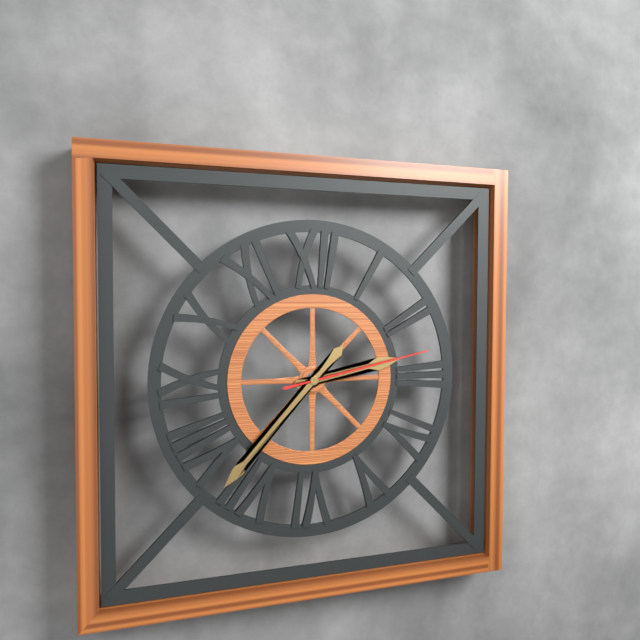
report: 2h37m13s
